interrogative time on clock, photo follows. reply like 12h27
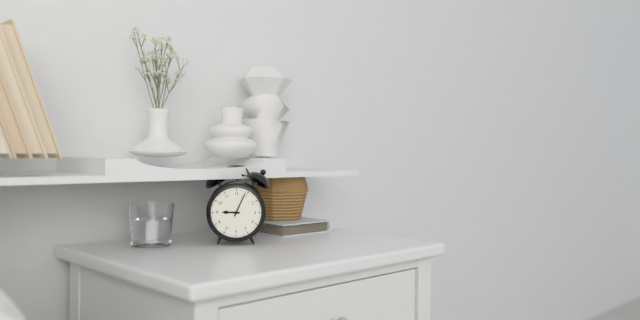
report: 9h04
